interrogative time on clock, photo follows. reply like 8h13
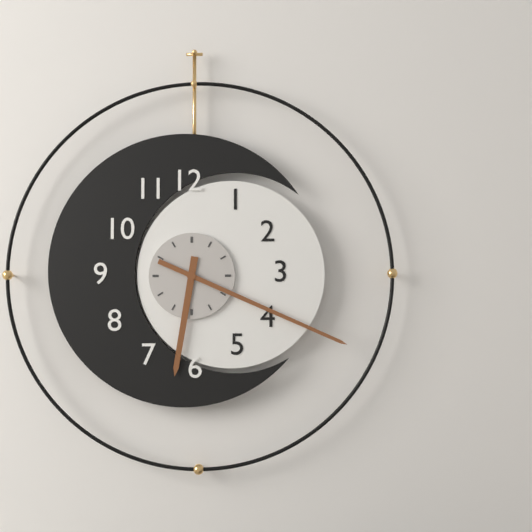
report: 6h19
